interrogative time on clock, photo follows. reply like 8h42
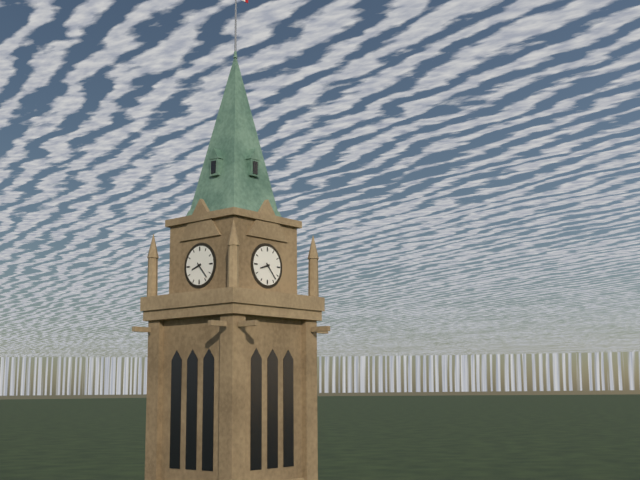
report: 8h23
